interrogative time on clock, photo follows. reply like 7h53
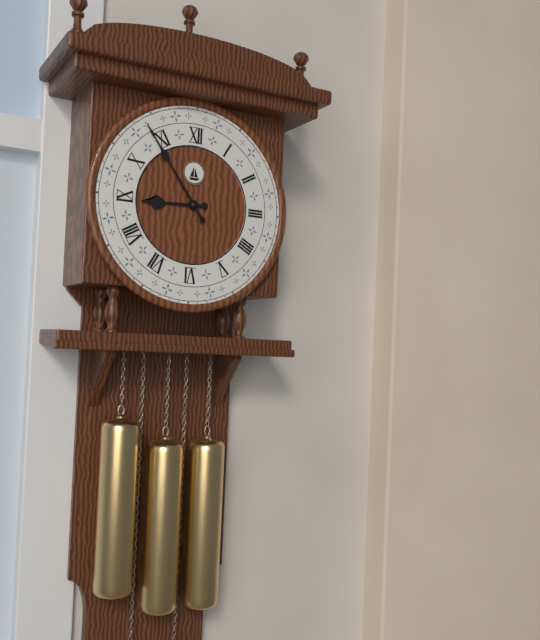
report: 8h54
